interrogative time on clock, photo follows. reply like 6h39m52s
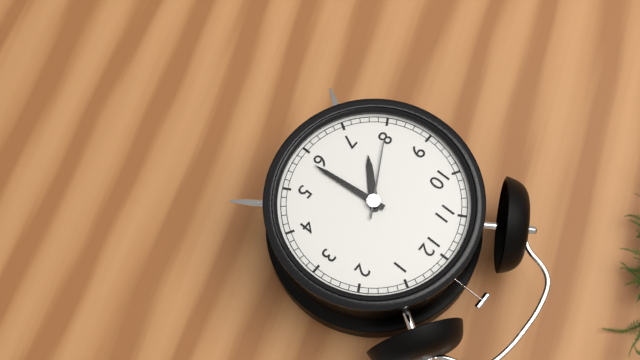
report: 7h29m40s
